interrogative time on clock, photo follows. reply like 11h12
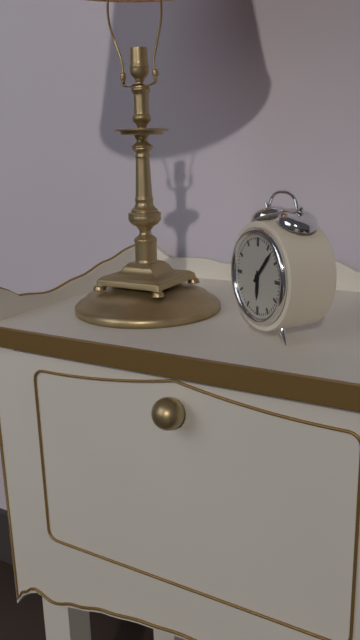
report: 6h07
